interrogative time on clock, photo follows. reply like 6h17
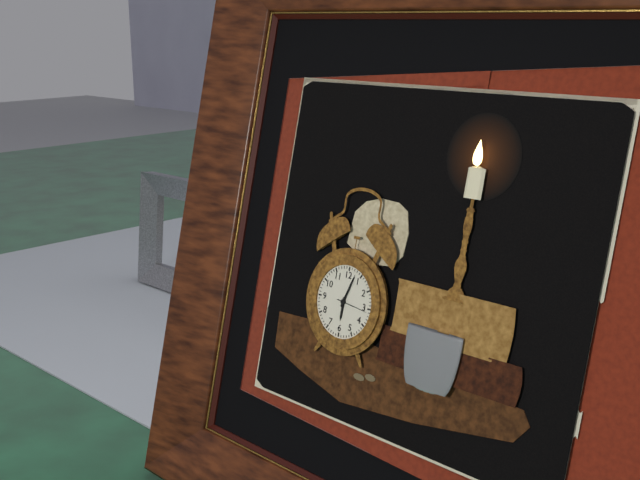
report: 6h03
